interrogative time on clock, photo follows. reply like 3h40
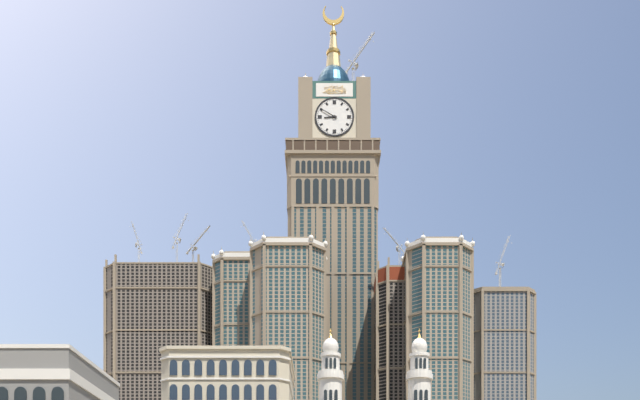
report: 8h50
